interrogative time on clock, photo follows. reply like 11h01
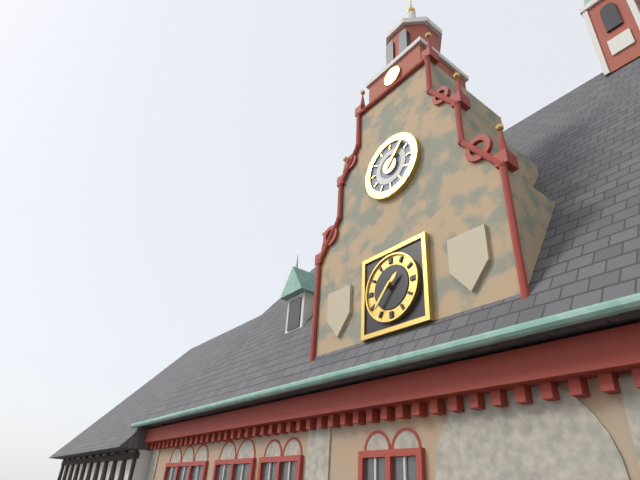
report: 1h37
